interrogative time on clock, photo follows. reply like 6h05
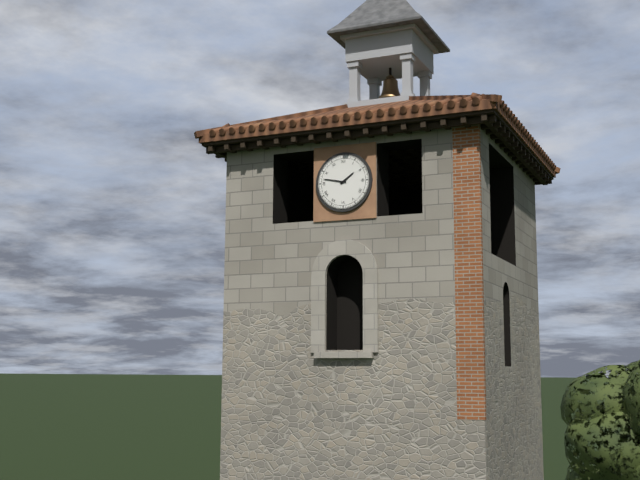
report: 1h47
